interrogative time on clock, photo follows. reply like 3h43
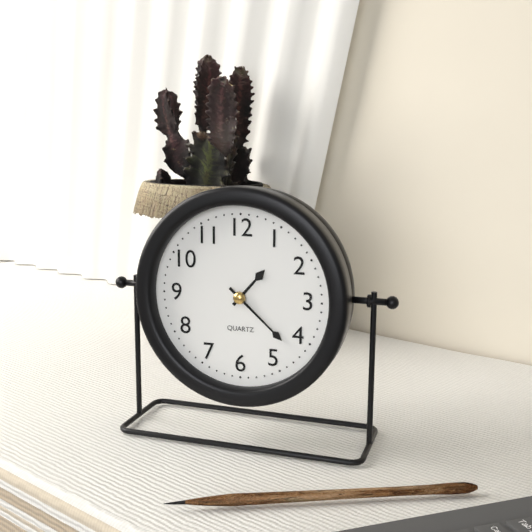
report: 1h22
